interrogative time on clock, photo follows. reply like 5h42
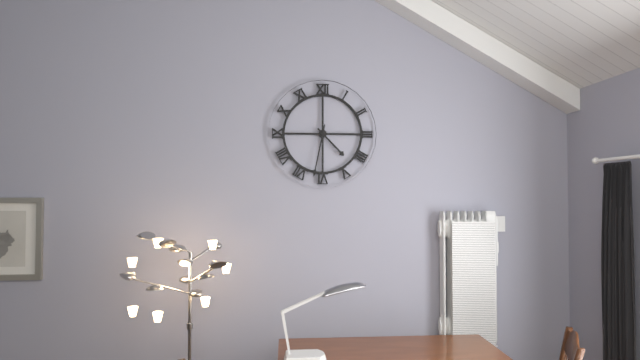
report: 4h32
